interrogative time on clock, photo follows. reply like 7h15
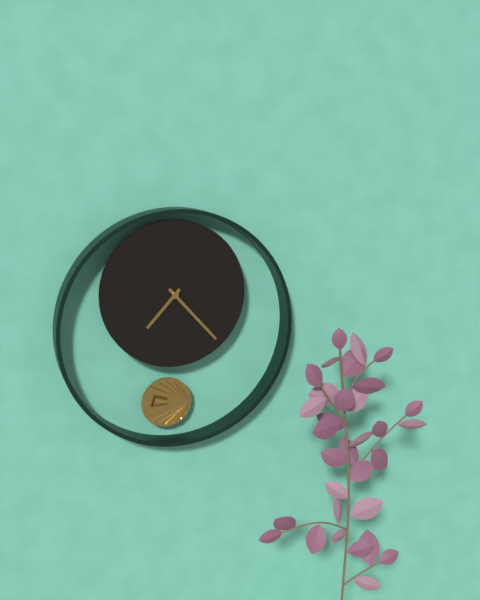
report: 7h23
